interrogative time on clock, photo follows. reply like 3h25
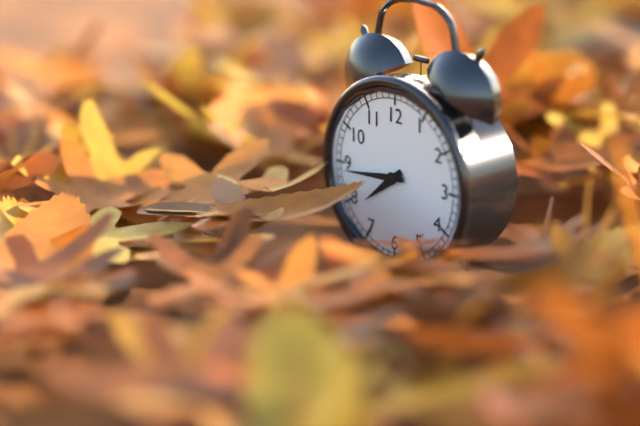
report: 7h44
